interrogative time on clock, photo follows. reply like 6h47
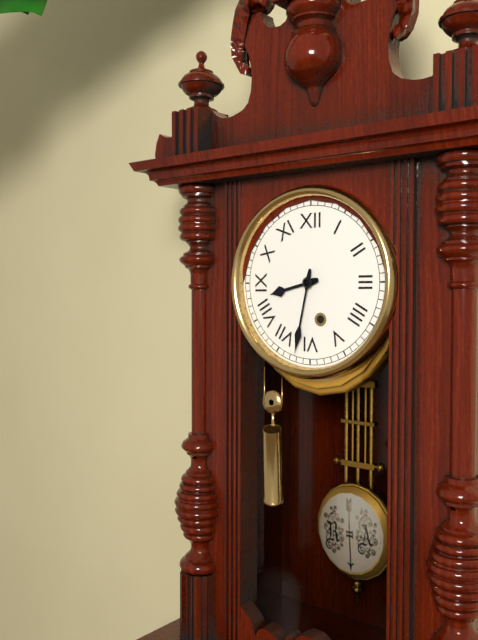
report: 8h32
